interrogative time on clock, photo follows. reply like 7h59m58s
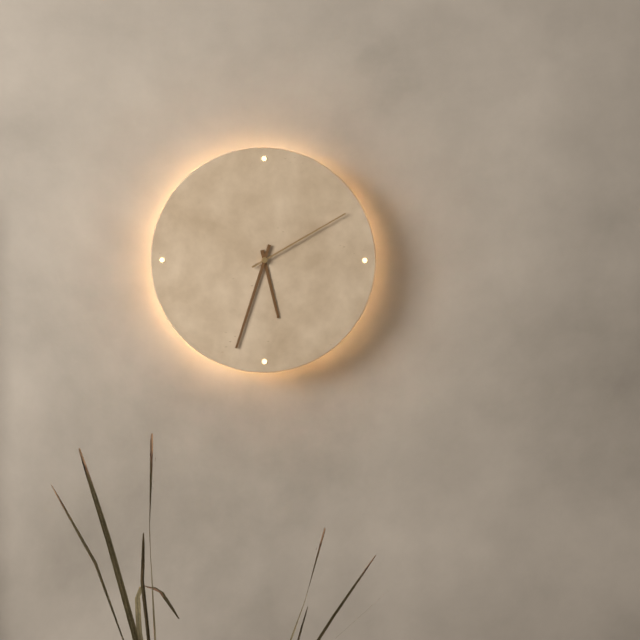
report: 5h33m10s
